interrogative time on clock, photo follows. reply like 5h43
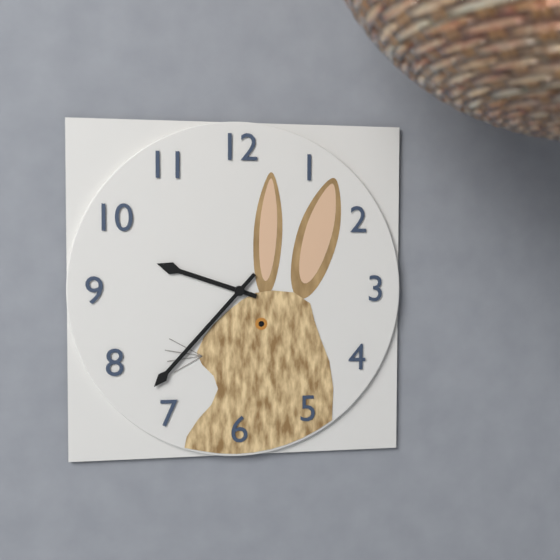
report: 9h37
